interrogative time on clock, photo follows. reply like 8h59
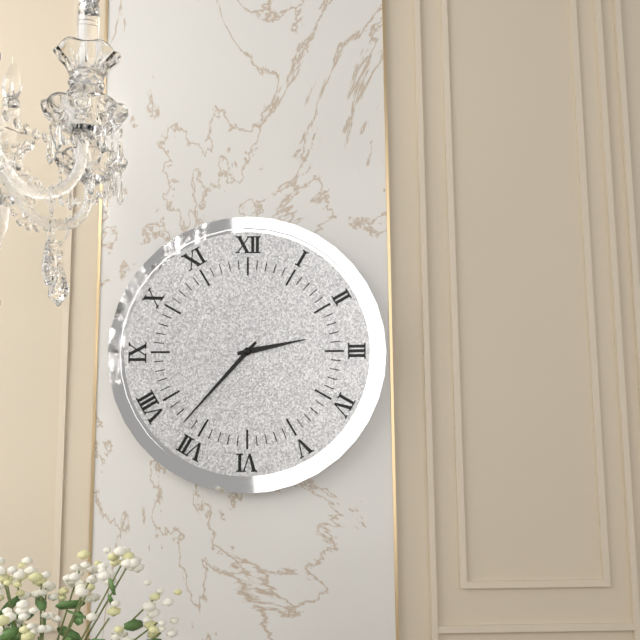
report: 2h37
